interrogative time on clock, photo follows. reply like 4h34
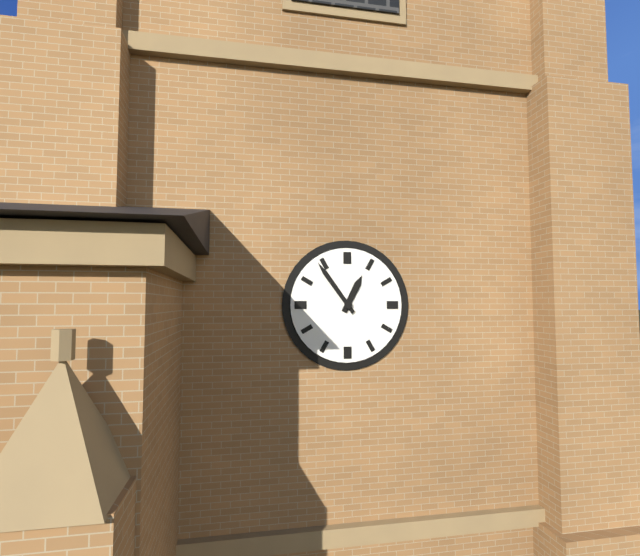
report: 12h54
